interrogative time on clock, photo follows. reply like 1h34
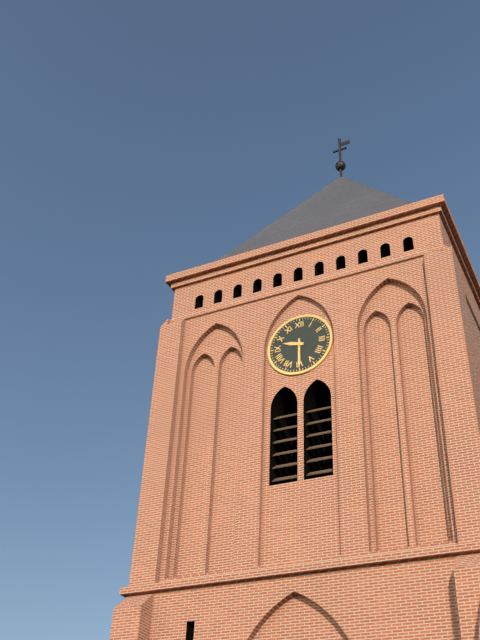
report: 9h30
